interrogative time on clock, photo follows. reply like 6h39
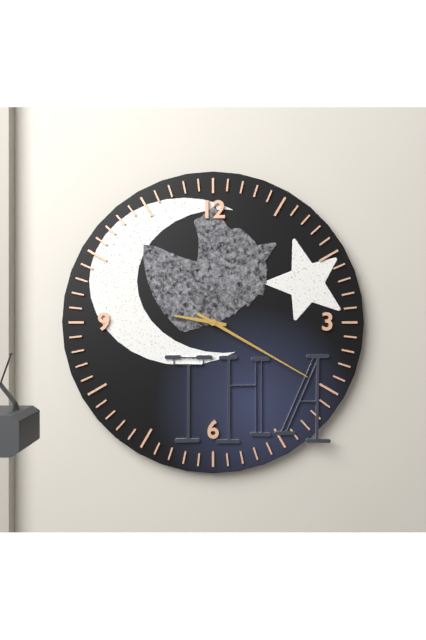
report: 9h20
